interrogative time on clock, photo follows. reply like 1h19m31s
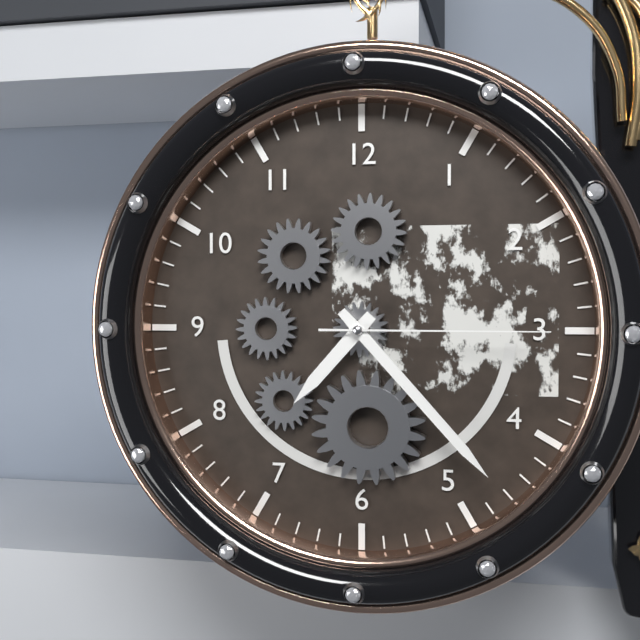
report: 7h23m15s
